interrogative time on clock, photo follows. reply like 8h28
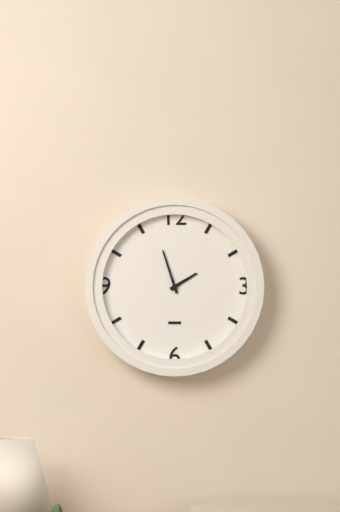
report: 1h57
